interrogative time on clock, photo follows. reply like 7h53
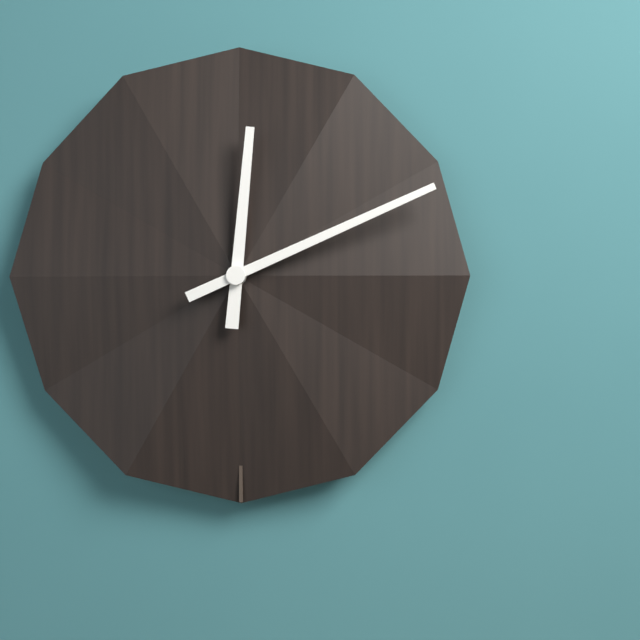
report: 12h11
